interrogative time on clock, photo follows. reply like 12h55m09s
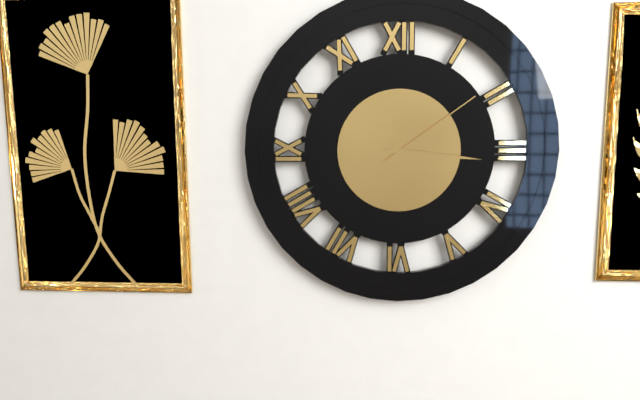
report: 4h16m09s
